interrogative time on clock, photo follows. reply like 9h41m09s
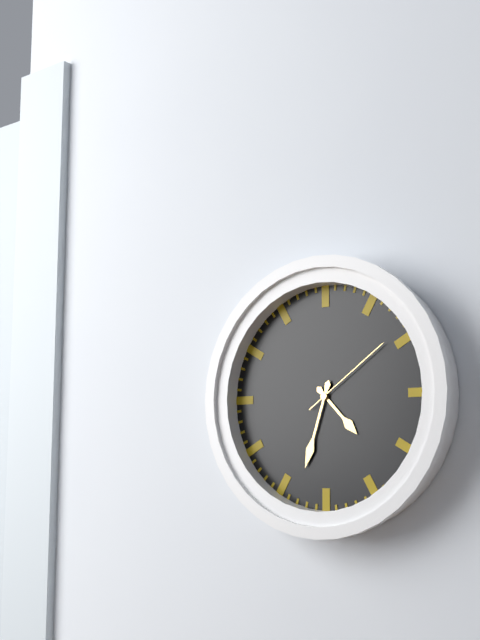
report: 4h33m09s
